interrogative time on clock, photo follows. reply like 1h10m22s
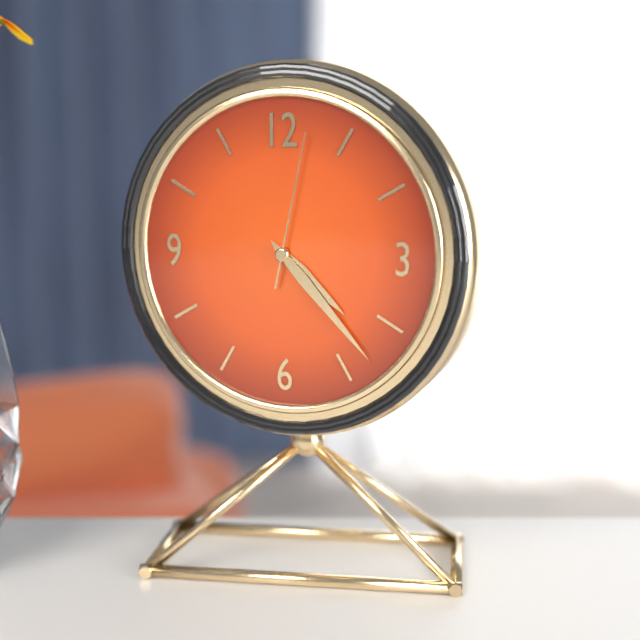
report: 4h23m02s
